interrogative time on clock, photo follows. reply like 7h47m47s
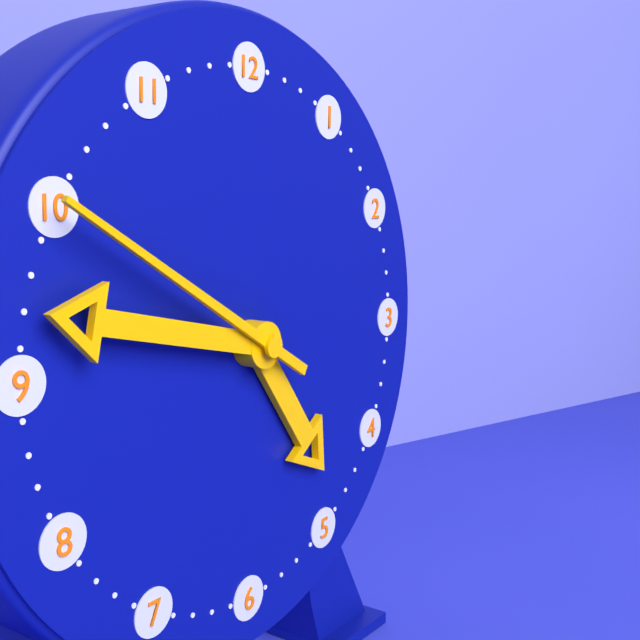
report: 4h47m50s
